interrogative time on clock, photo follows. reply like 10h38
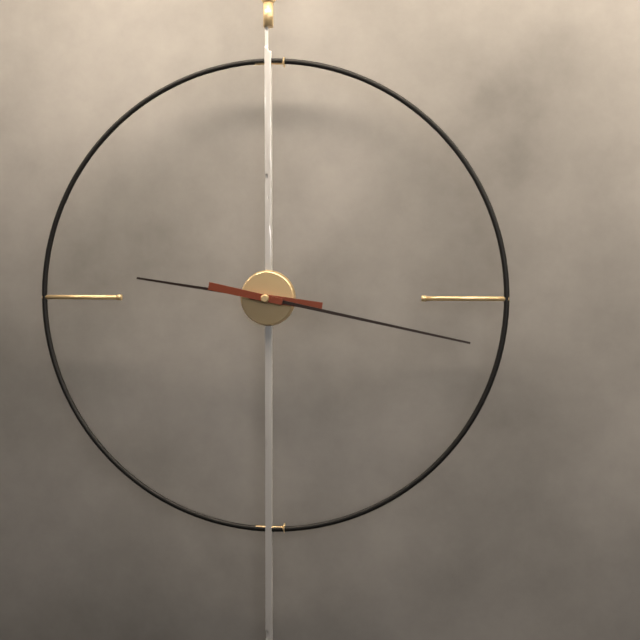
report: 9h17
